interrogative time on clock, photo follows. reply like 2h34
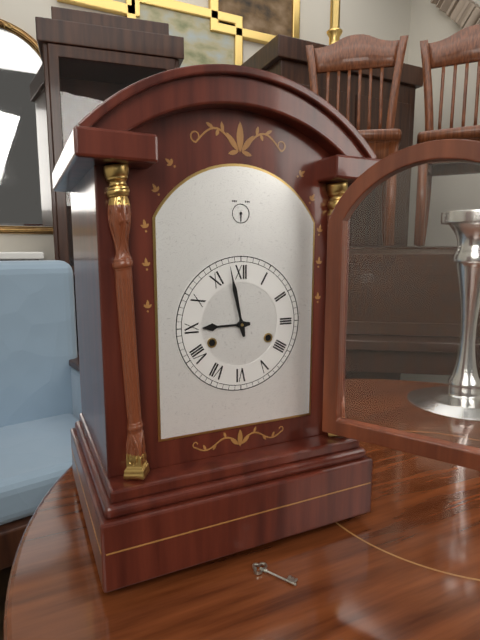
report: 8h58
